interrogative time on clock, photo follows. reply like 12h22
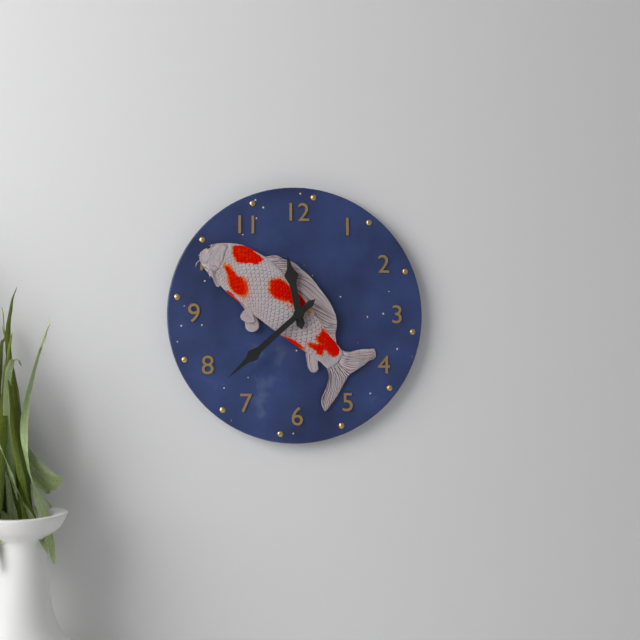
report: 11h38
